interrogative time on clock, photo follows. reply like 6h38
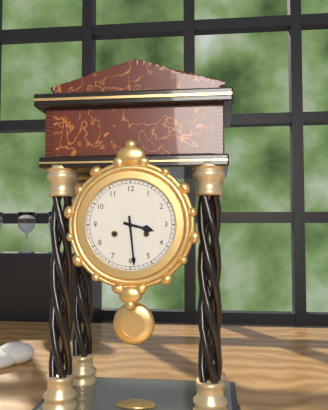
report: 3h29
